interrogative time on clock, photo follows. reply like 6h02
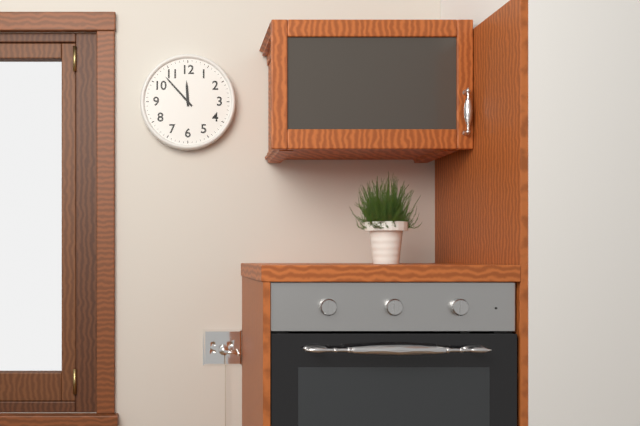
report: 11h53
